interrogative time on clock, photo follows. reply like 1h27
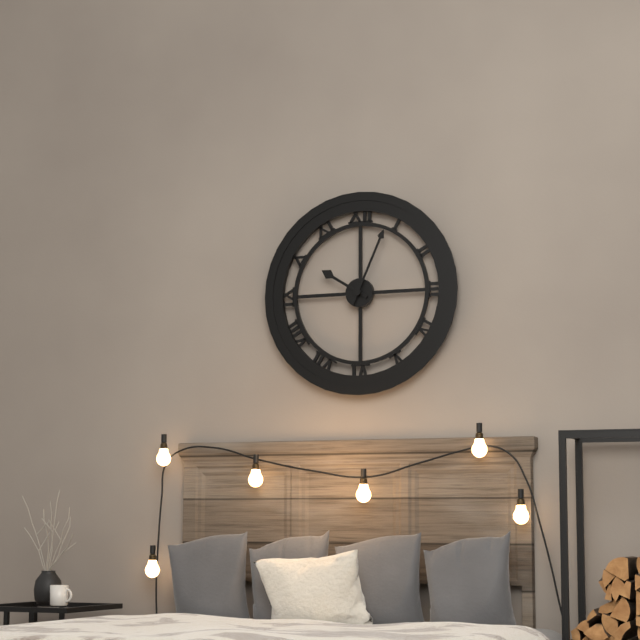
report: 10h04
